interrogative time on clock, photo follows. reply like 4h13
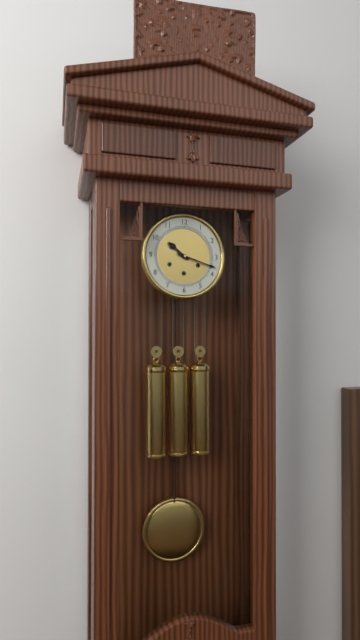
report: 10h18
